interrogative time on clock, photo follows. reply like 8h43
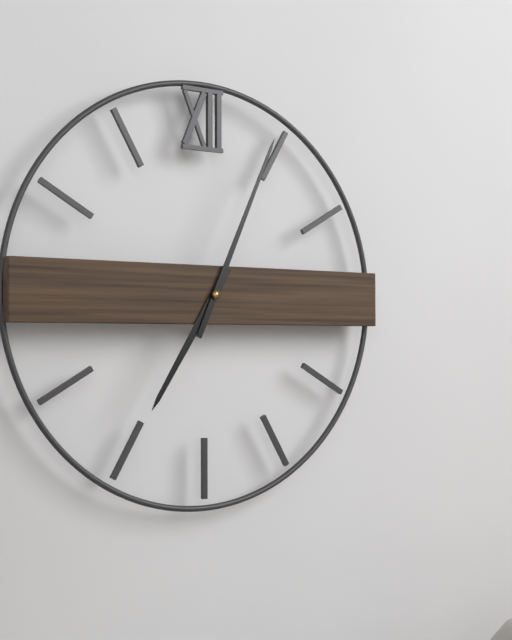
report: 7h04
